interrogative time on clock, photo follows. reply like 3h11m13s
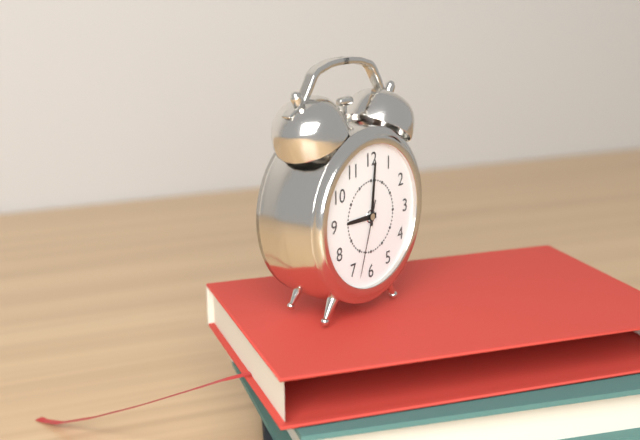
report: 9h01m33s
